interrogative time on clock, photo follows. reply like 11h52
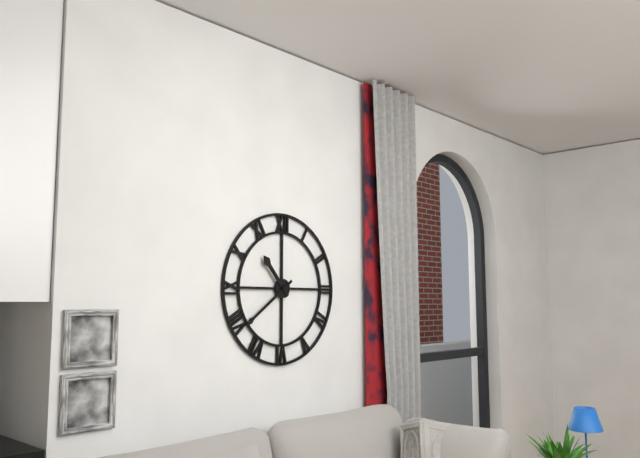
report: 10h39
